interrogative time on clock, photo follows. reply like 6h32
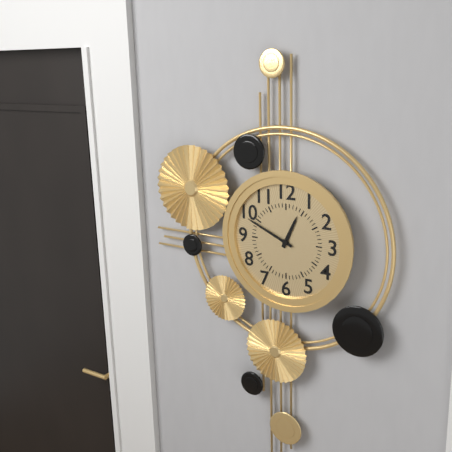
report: 12h49
